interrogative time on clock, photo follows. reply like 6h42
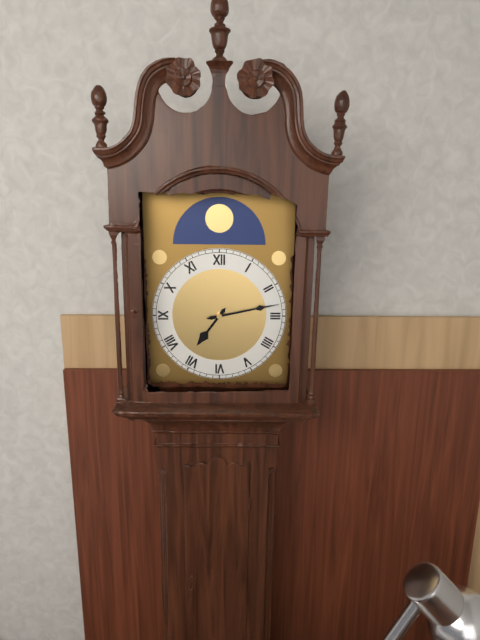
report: 7h13
